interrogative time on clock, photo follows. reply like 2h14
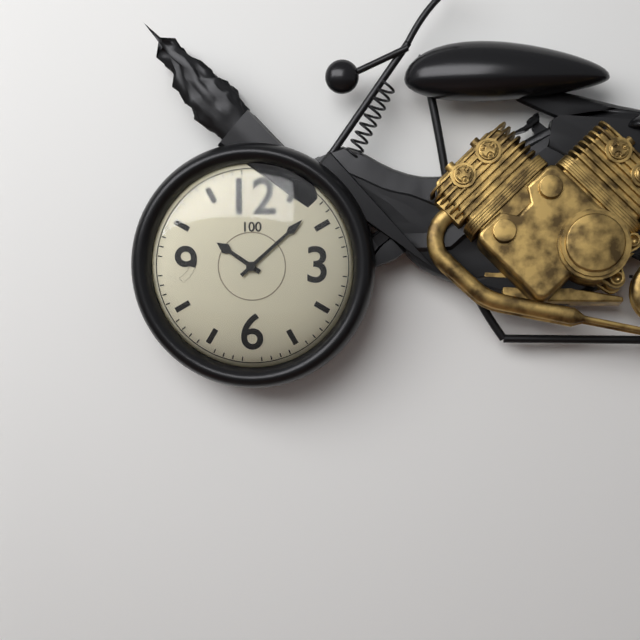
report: 10h08
